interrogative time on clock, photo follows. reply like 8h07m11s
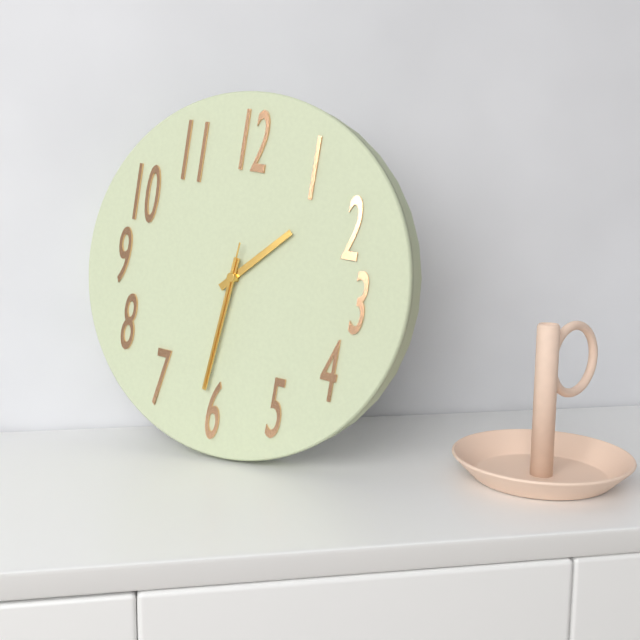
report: 1h31m31s
